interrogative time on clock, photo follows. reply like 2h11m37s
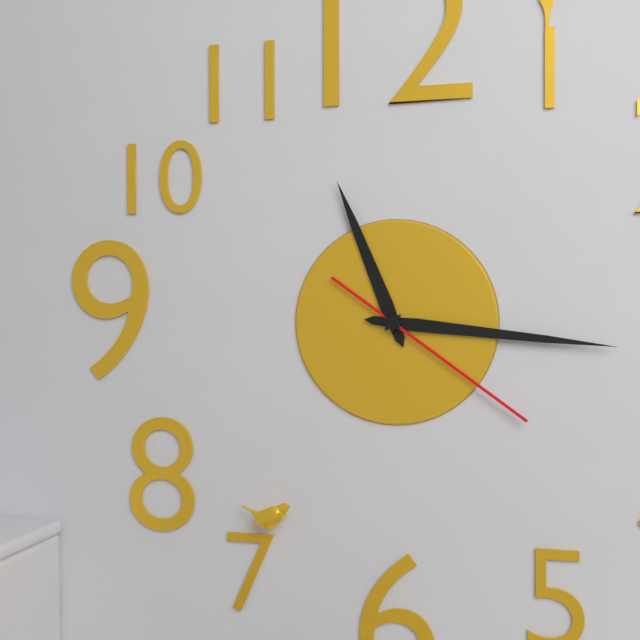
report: 11h16m21s
